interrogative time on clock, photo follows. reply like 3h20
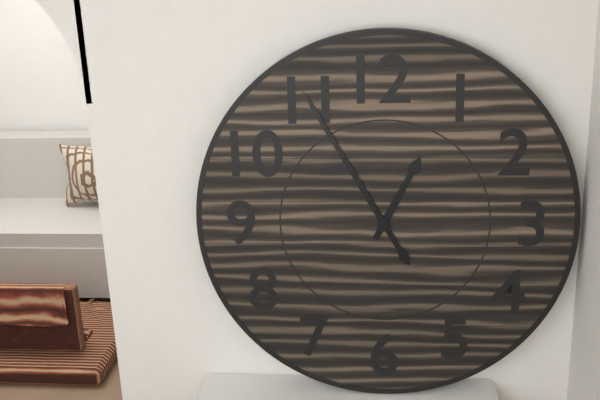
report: 12h55
